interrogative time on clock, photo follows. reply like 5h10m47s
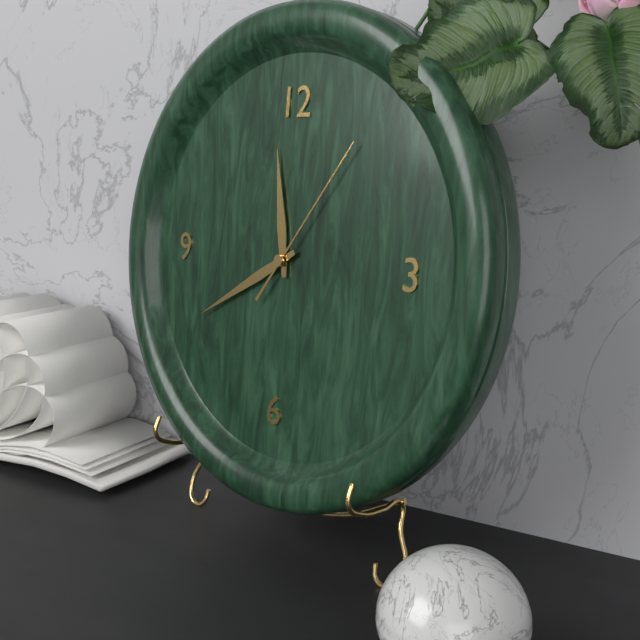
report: 11h40m06s
